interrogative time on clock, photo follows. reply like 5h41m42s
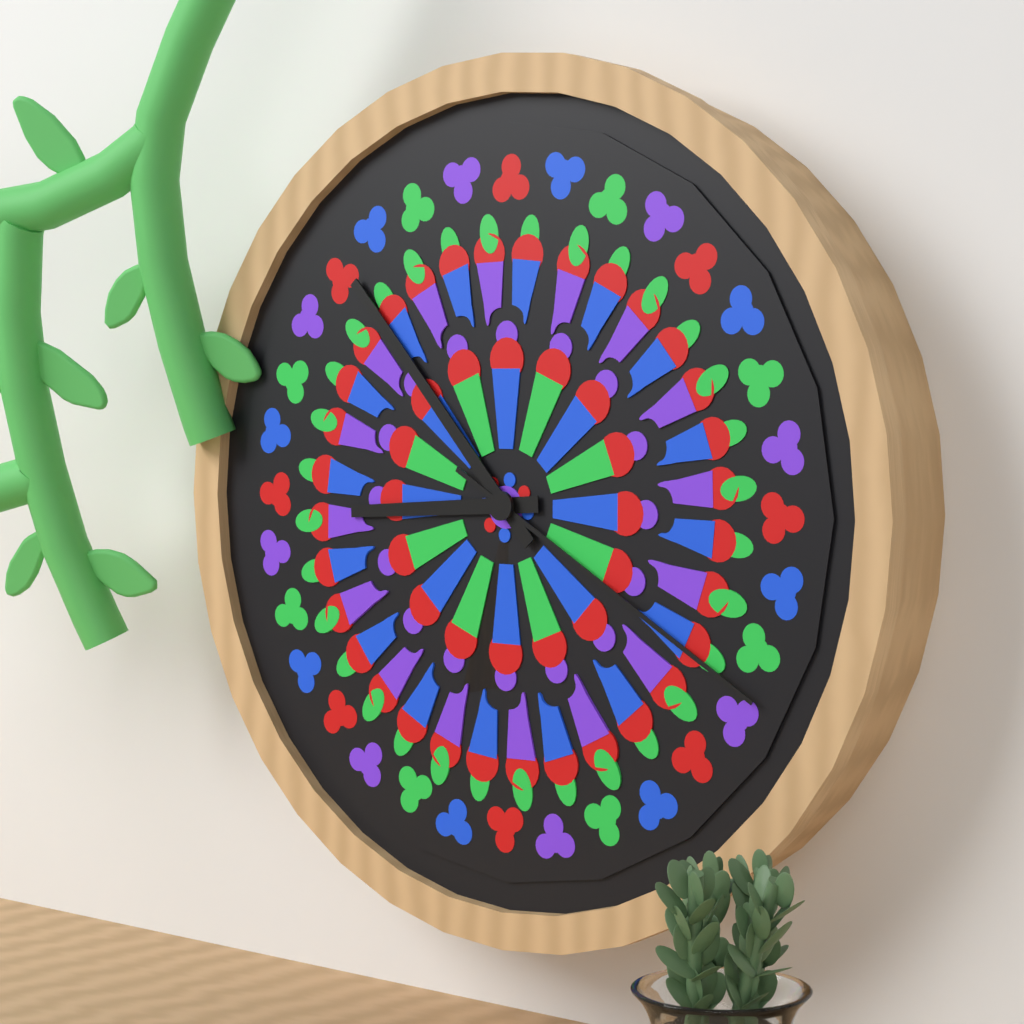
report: 8h53m20s
